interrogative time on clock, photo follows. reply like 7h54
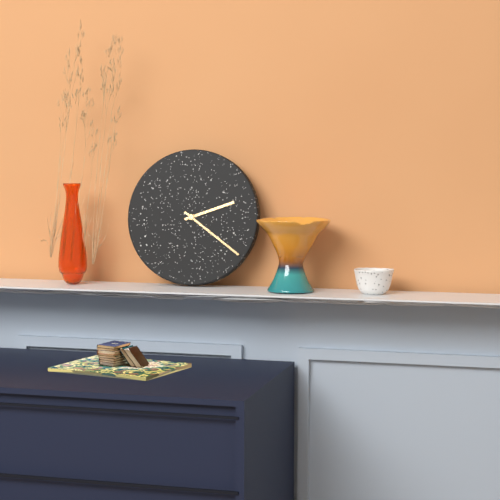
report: 2h21
